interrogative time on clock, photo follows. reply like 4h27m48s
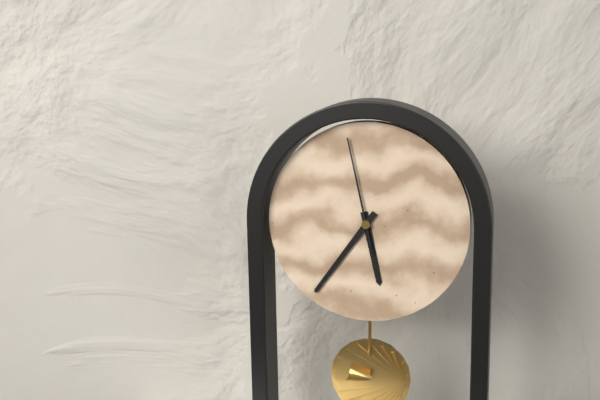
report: 5h36m58s
